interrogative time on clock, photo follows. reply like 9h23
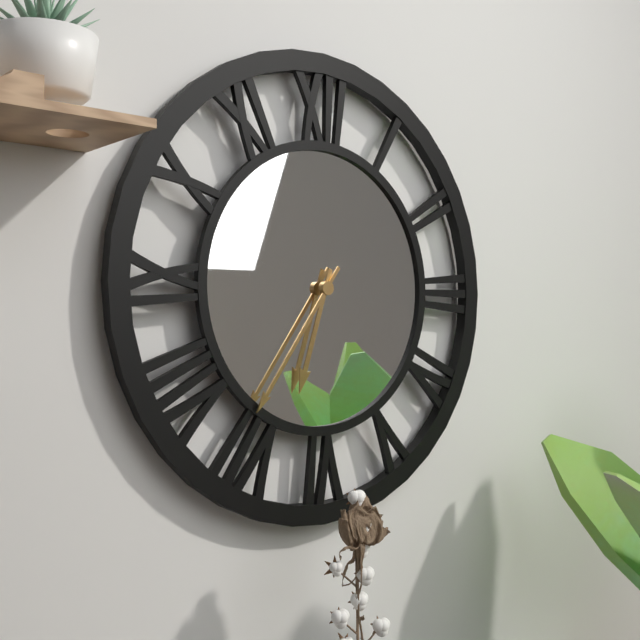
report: 6h36
